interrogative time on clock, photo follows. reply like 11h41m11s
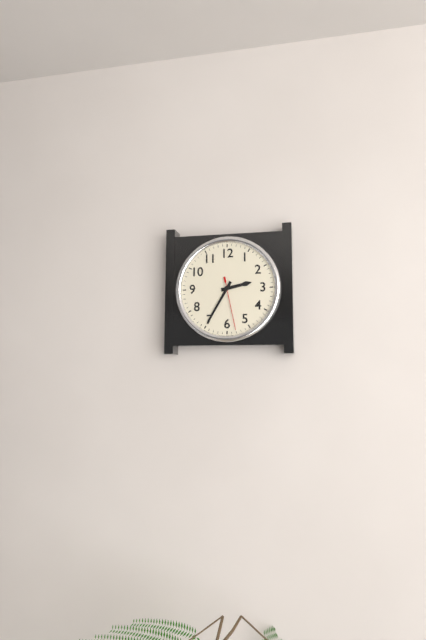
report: 2h35m28s
